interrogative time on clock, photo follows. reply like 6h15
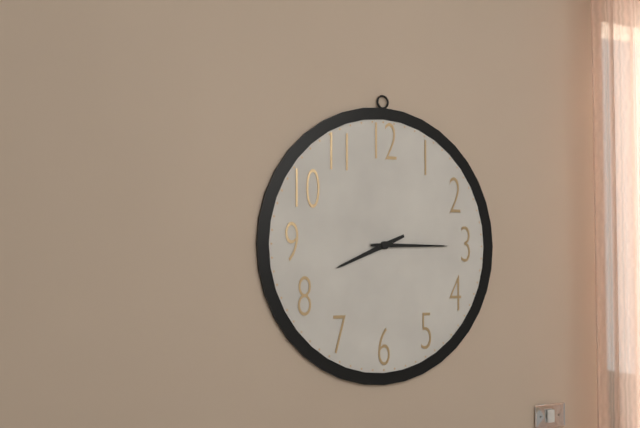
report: 8h15
